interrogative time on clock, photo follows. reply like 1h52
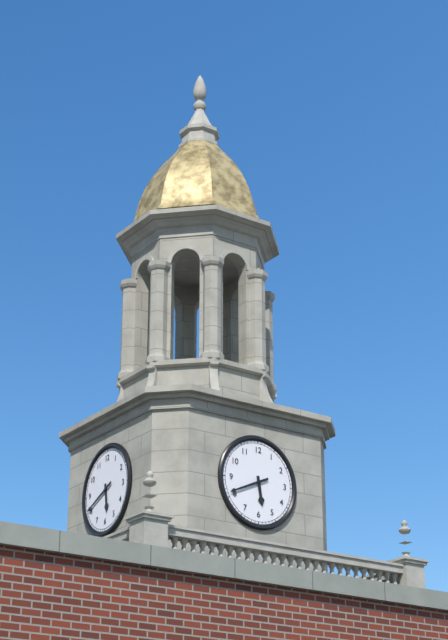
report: 5h41
